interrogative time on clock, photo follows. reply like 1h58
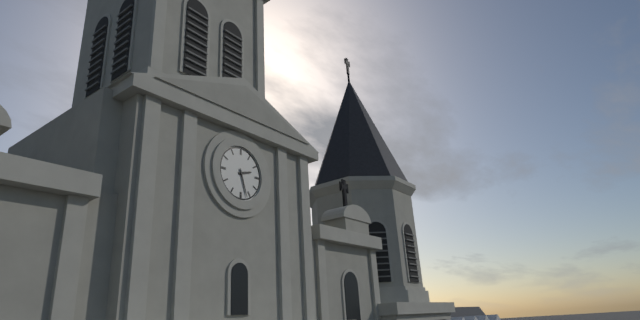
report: 2h27
